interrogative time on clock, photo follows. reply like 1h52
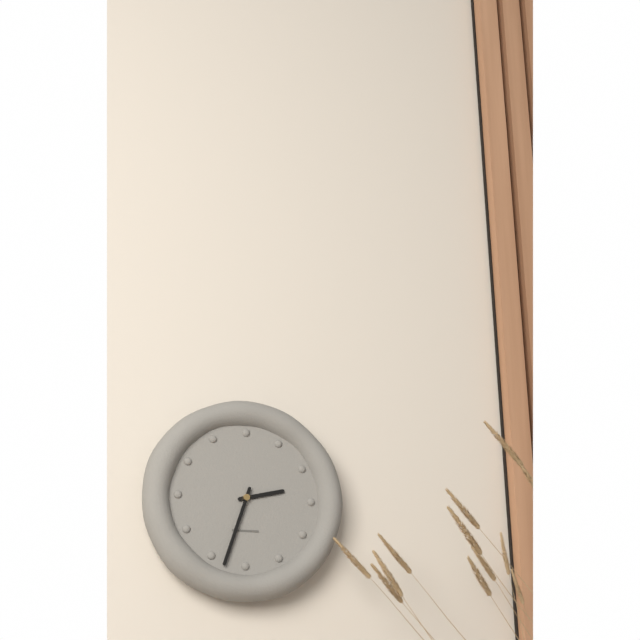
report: 2h33
